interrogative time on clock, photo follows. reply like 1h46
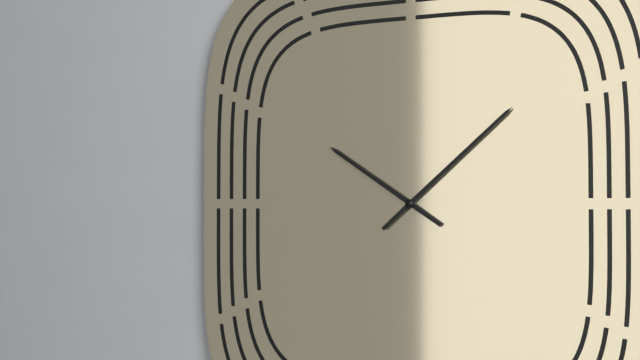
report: 10h08
